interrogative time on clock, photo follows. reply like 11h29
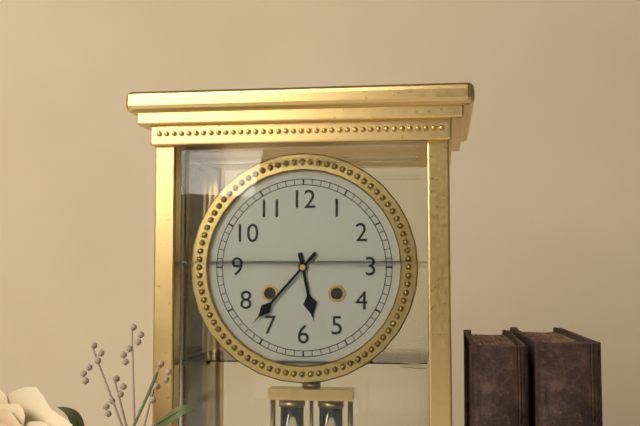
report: 5h37
